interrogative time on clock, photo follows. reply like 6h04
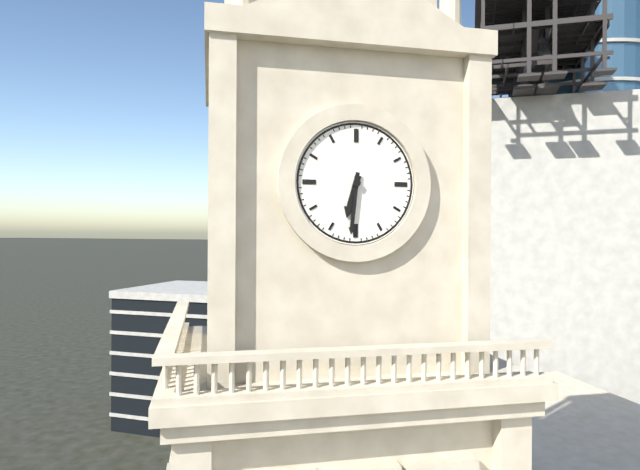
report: 6h31
